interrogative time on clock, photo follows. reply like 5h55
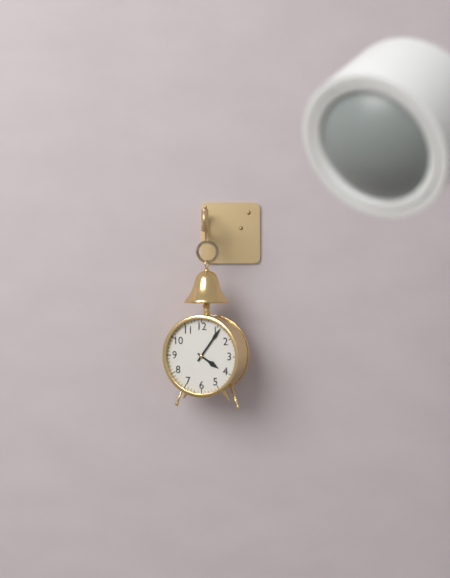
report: 4h06
